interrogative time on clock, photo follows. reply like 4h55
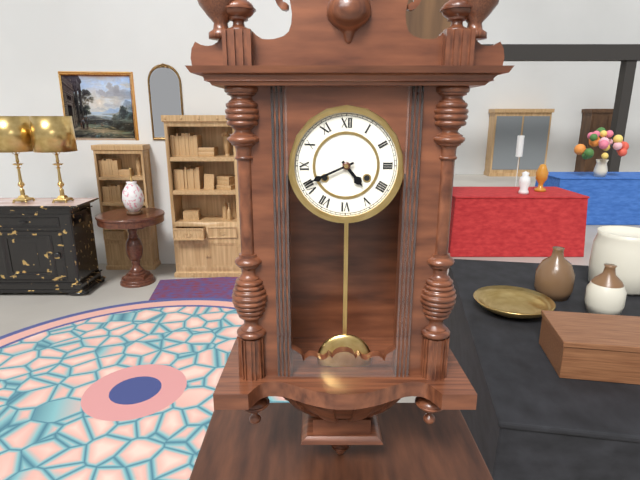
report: 4h41
